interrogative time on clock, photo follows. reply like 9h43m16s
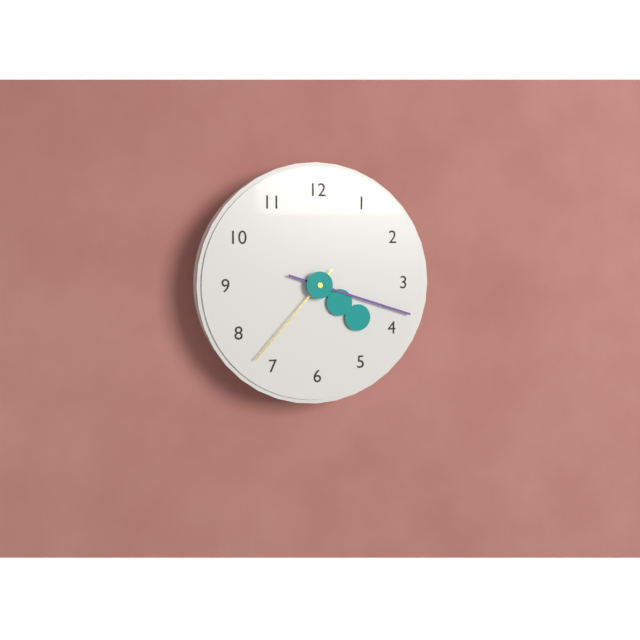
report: 4h18m37s
